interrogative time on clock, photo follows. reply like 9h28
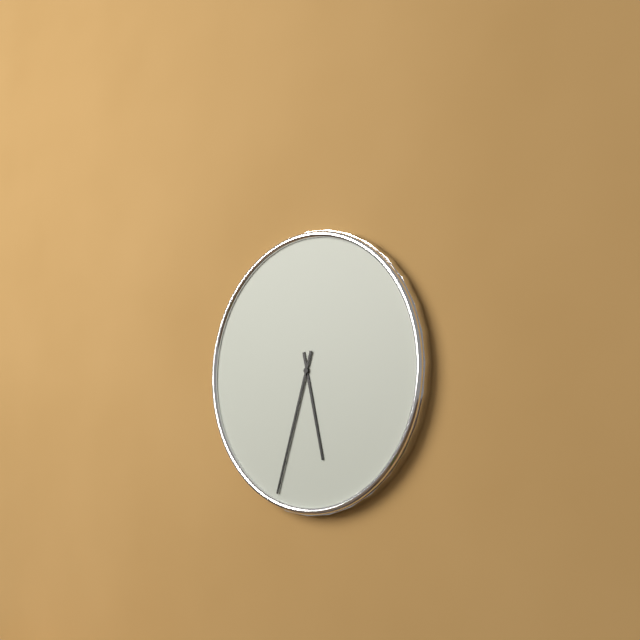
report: 5h33
